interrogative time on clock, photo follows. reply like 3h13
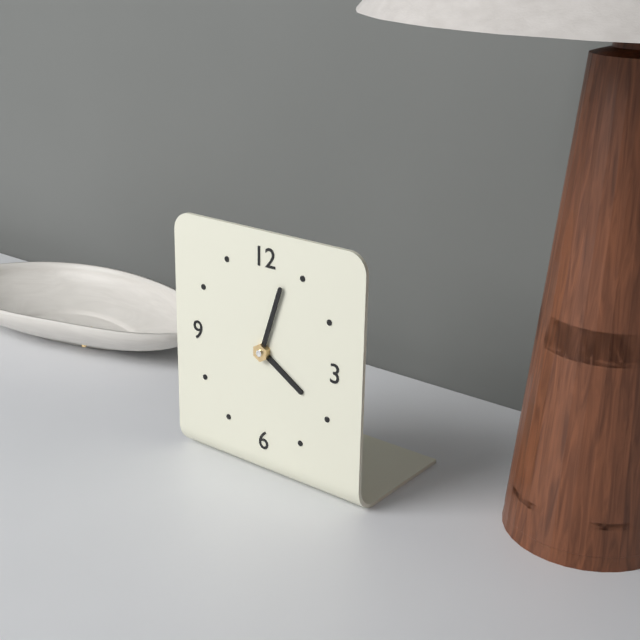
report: 4h03
